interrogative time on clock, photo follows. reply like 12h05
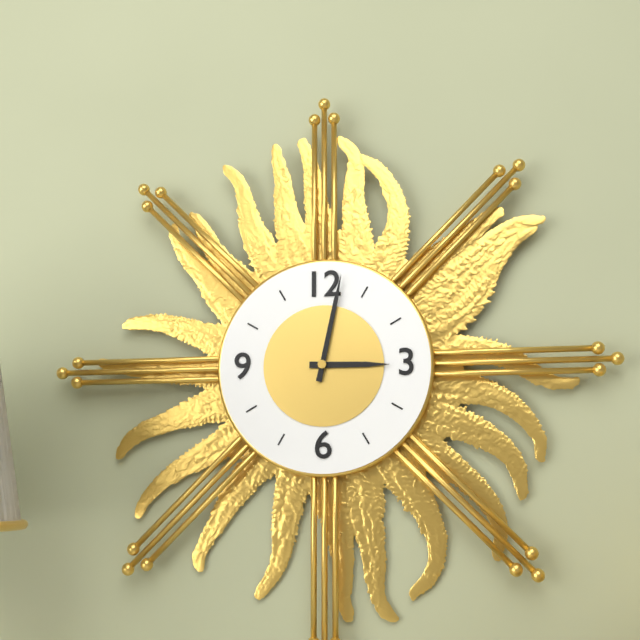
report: 3h02
